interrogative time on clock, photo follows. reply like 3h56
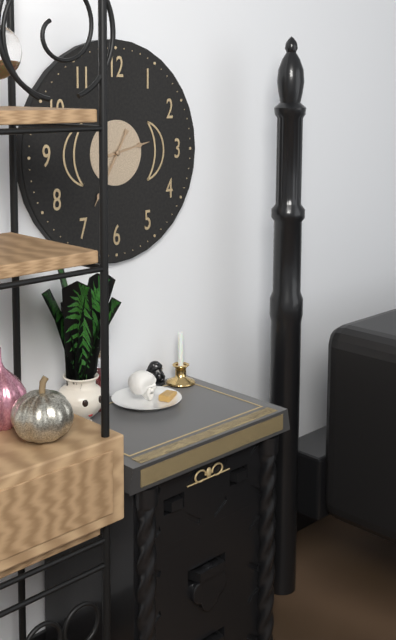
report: 2h35
